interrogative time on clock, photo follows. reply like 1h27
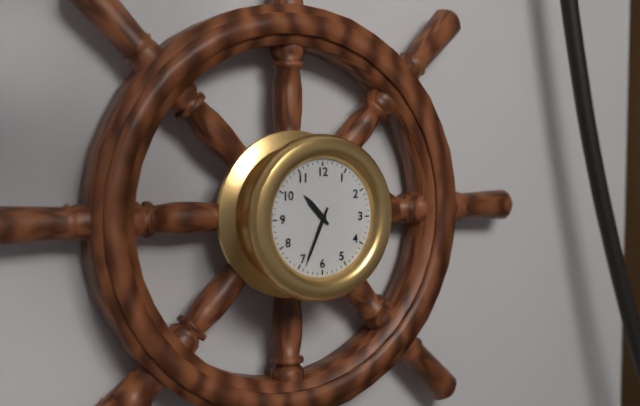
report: 10h34
